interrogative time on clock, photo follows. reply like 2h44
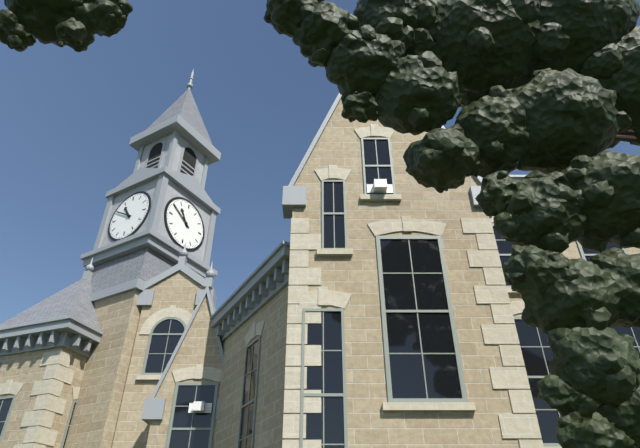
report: 10h50
